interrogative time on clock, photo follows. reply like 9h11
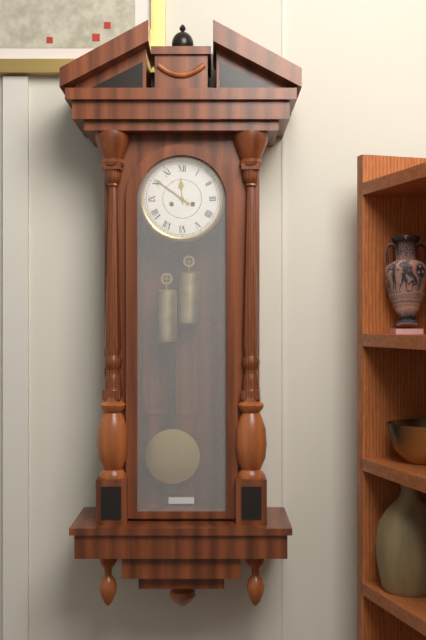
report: 11h51
